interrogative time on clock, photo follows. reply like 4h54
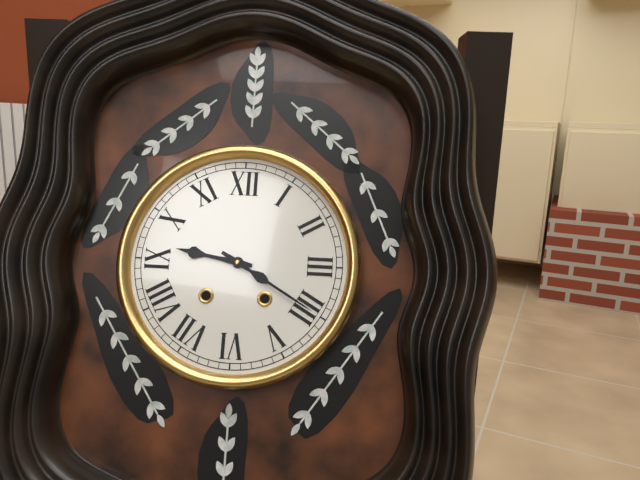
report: 9h20
